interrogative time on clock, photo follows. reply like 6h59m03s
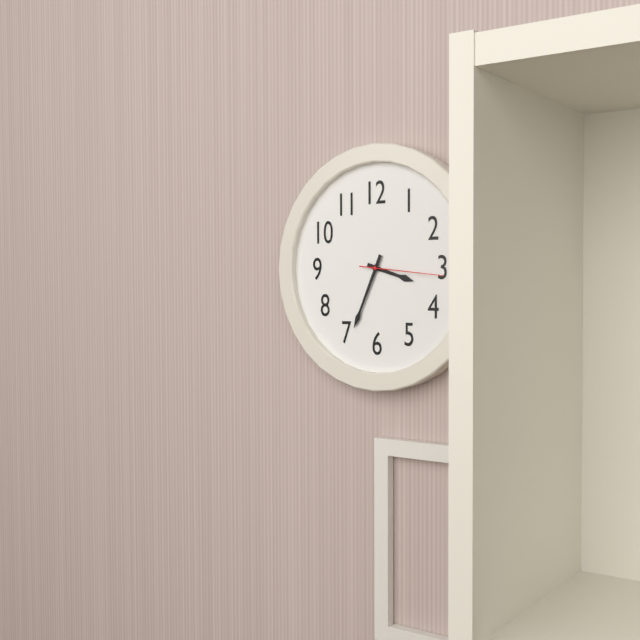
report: 3h34m16s
